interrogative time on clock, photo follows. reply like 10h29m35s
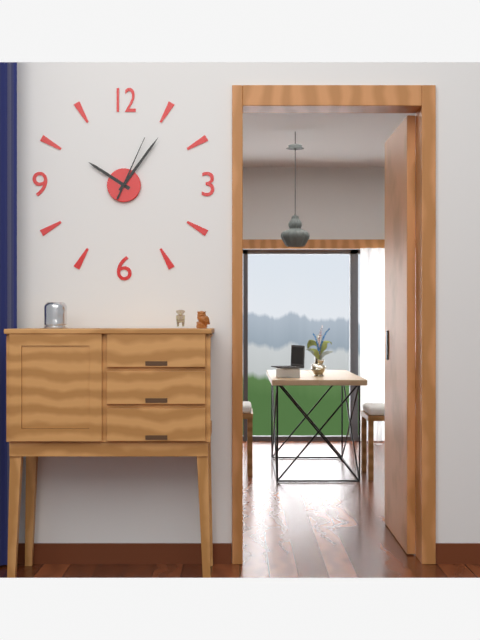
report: 10h06m04s
